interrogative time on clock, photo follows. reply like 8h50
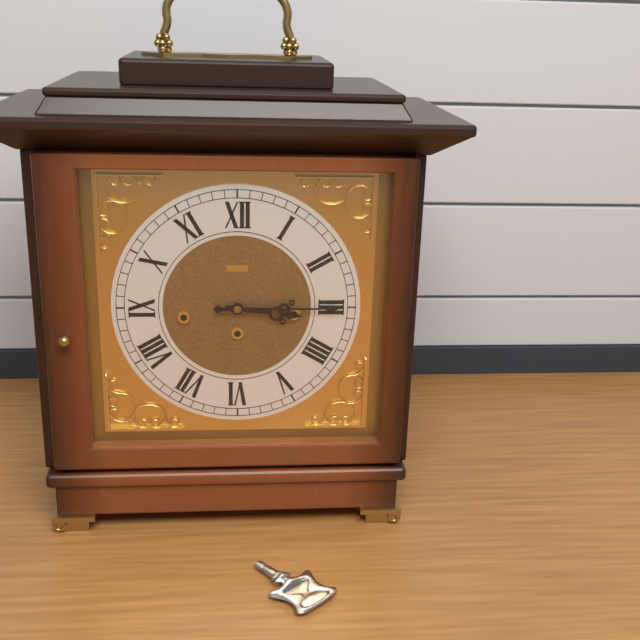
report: 3h15
